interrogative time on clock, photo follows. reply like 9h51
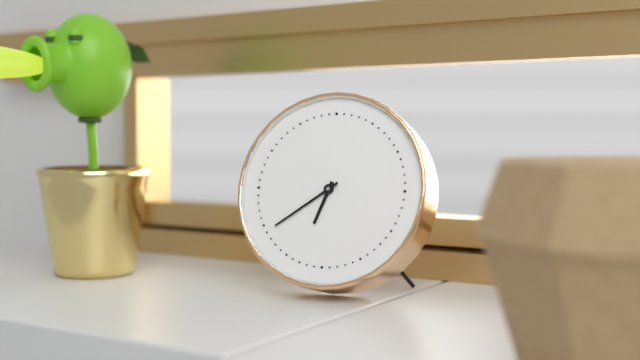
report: 6h39
